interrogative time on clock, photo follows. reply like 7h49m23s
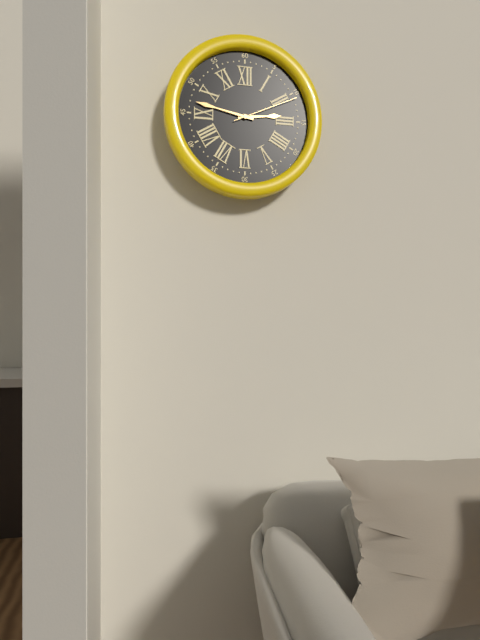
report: 2h47m11s
